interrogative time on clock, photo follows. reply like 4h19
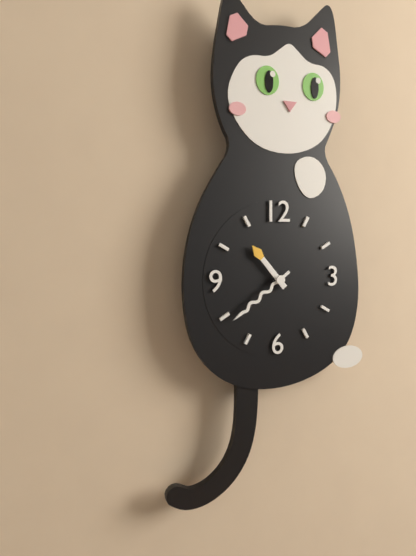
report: 10h39
